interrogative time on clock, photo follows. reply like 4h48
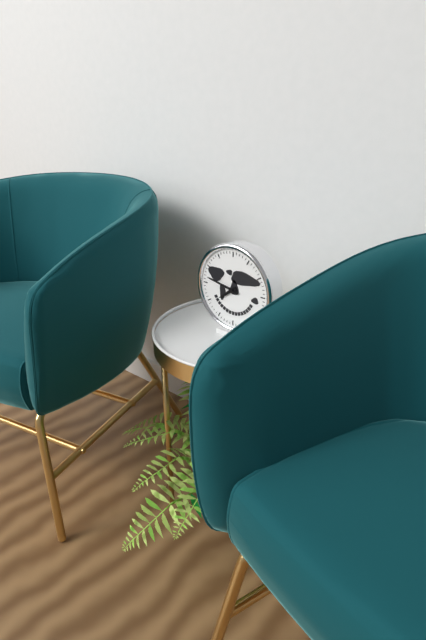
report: 7h47
